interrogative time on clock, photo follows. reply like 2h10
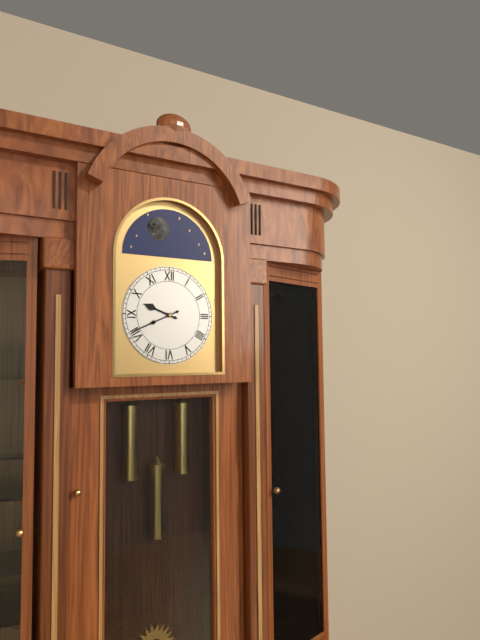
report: 9h41
